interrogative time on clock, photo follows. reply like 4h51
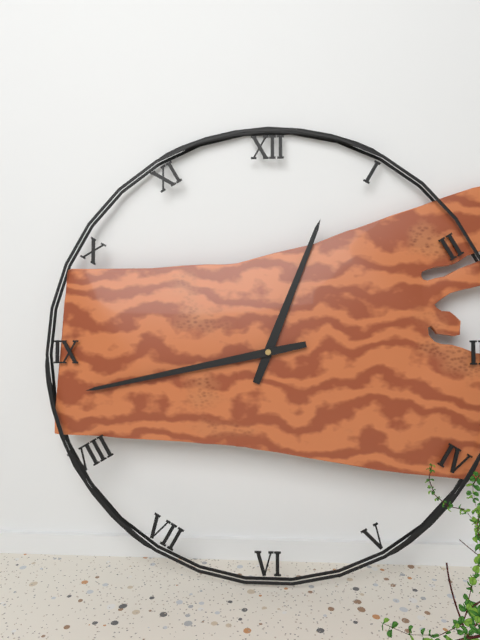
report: 12h43
